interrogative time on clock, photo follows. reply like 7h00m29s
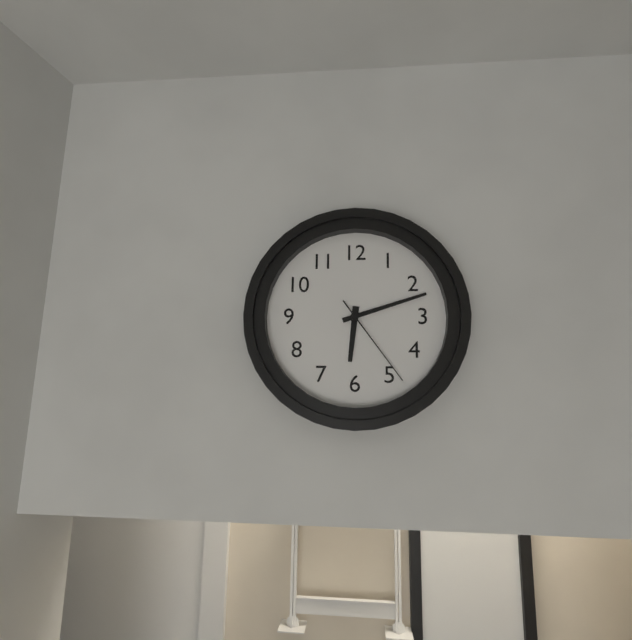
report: 6h12m24s
